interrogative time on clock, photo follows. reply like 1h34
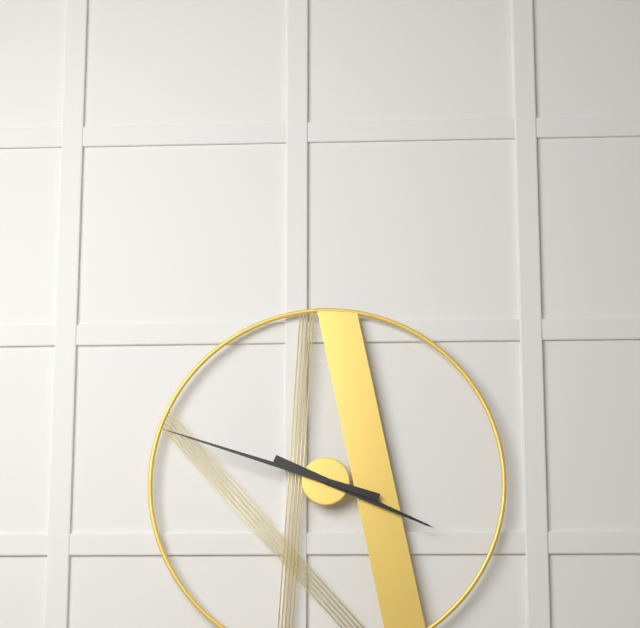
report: 3h48
